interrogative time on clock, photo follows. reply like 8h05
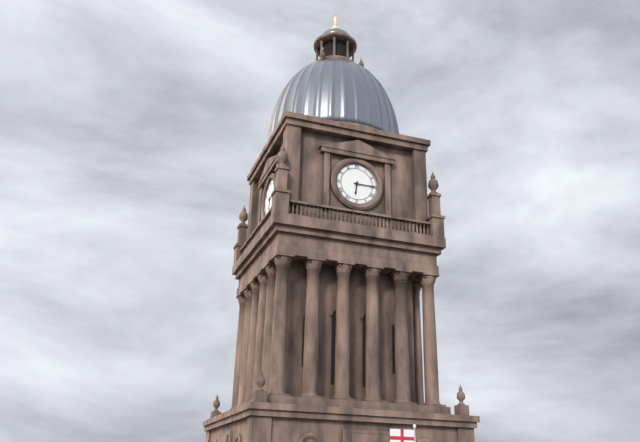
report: 6h15
